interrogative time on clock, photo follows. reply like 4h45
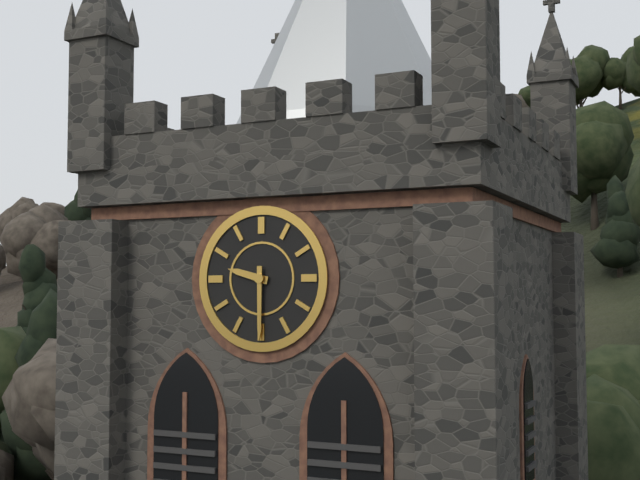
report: 9h30
